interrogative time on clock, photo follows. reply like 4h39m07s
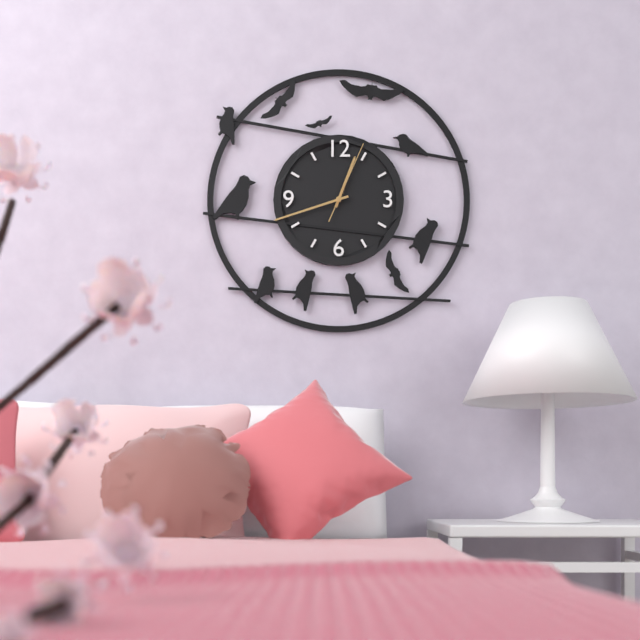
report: 12h42m04s
